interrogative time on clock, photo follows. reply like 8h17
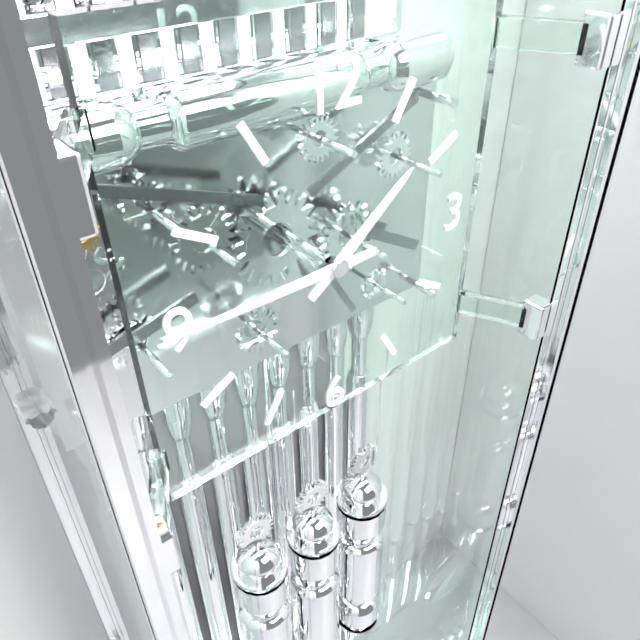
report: 1h45
